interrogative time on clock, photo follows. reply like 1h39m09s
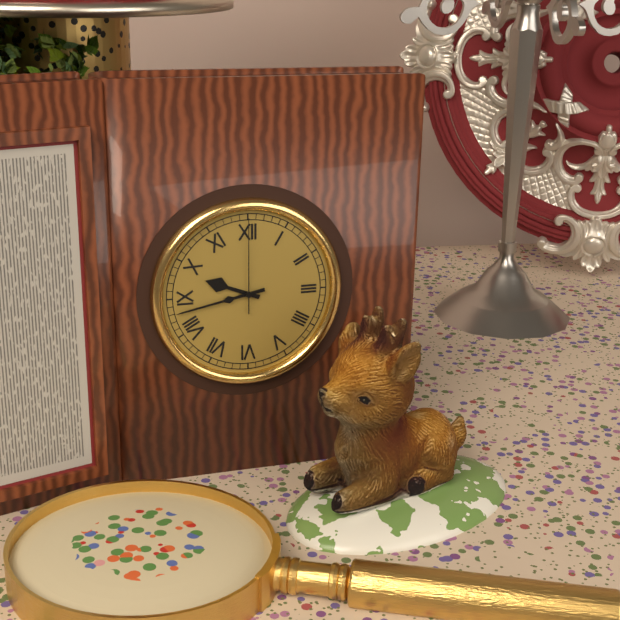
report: 9h43m00s
